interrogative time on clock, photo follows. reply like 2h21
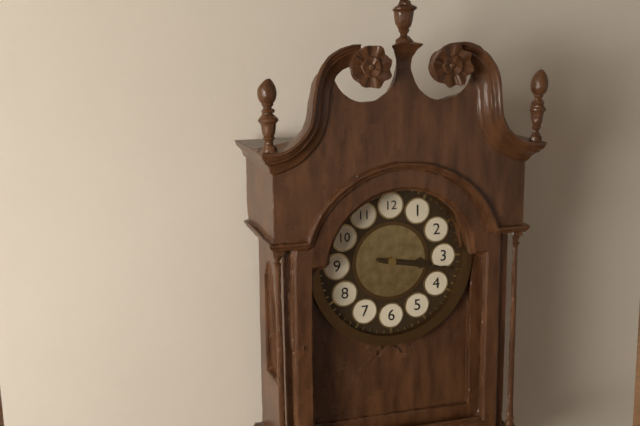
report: 3h17
